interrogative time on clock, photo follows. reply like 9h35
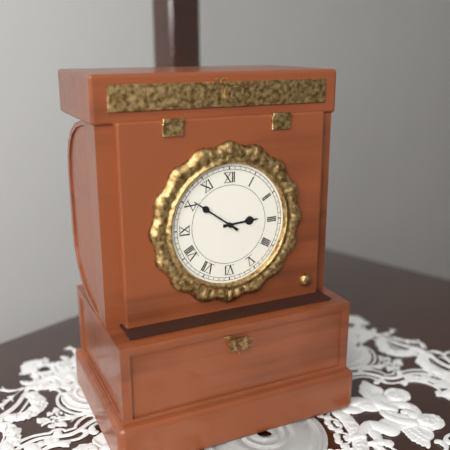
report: 2h51
